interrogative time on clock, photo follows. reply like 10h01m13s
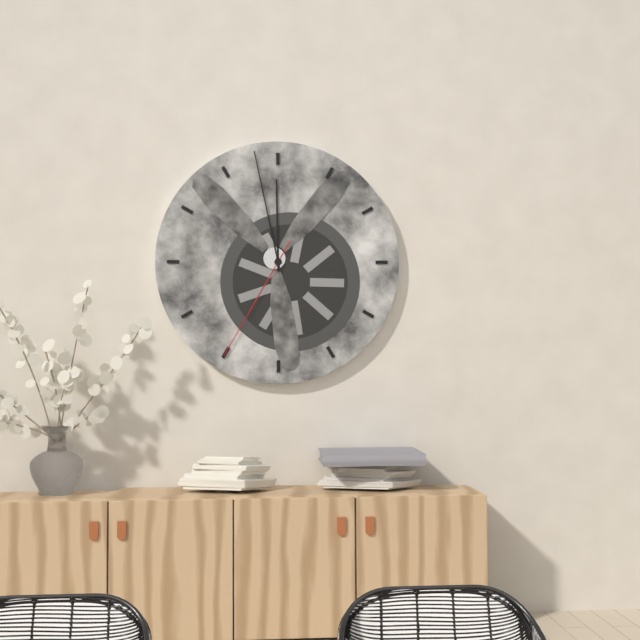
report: 11h58m35s
